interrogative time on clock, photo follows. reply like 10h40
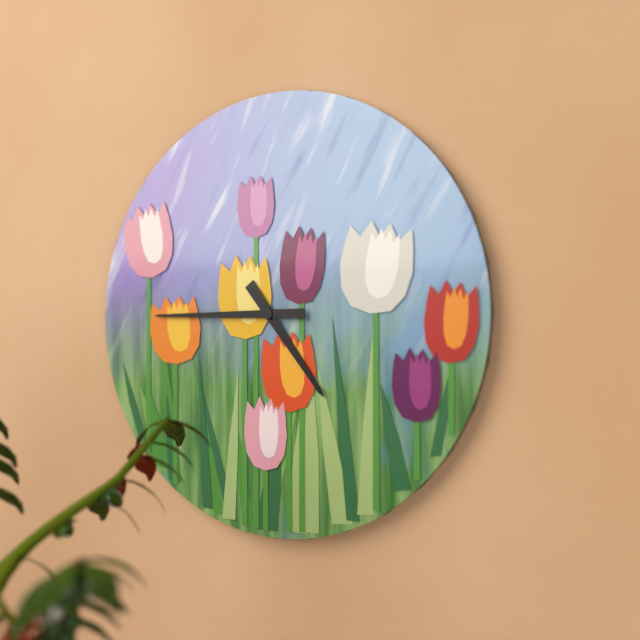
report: 4h45
